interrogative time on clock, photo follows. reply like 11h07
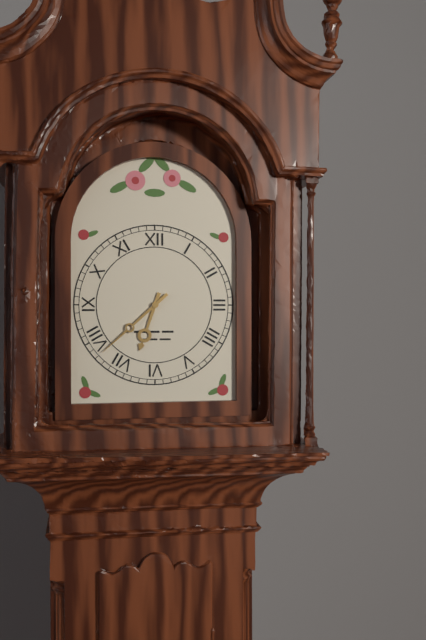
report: 6h38
